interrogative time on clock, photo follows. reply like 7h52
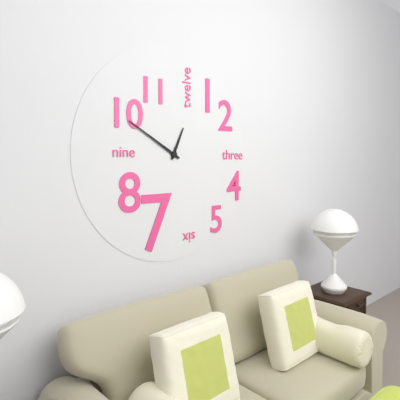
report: 12h50
